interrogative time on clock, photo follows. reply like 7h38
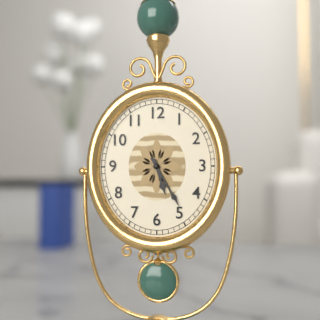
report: 5h25
